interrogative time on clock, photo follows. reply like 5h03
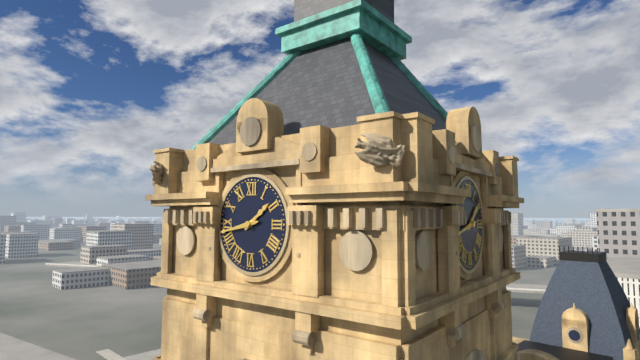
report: 1h43
